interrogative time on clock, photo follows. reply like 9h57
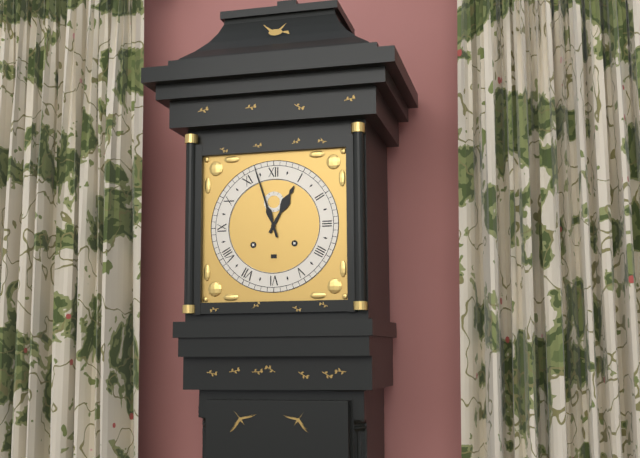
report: 12h57
